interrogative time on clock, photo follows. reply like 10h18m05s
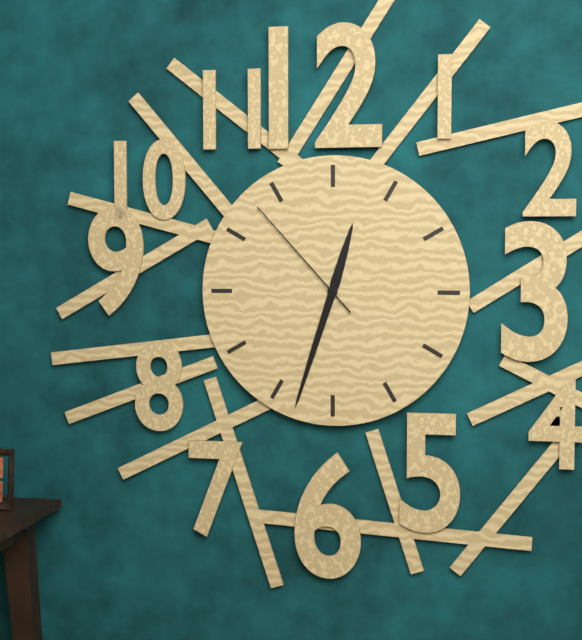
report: 12h33m53s
